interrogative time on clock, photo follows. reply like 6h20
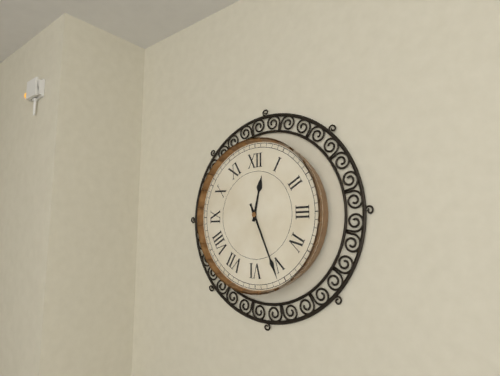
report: 12h26
